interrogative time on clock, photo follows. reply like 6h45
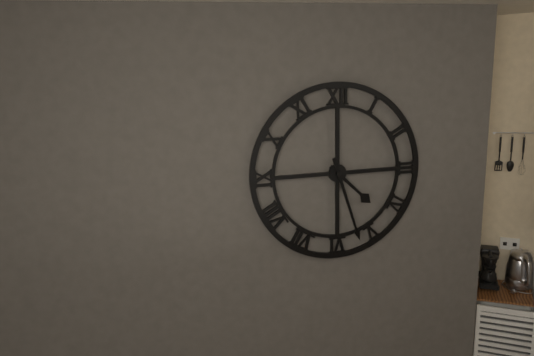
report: 4h27
